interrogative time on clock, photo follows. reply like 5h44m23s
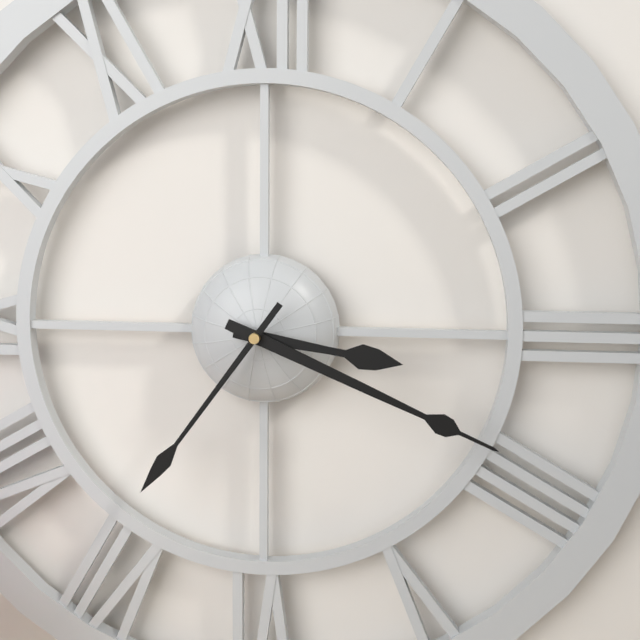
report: 3h19m36s
